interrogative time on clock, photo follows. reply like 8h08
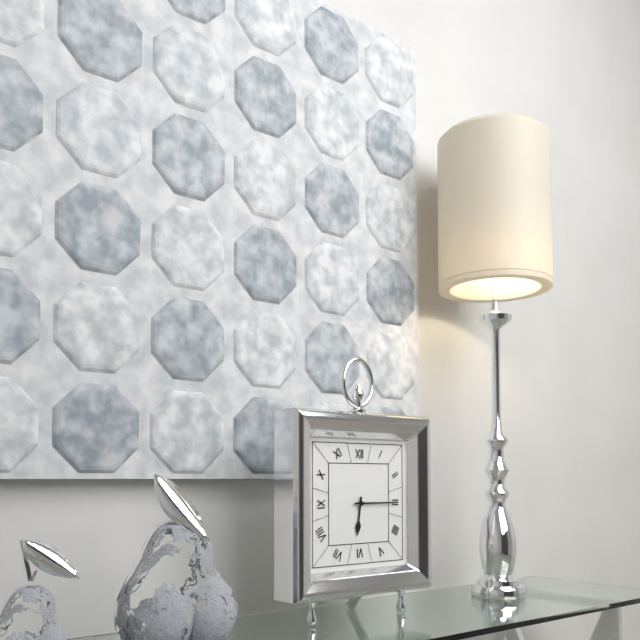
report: 6h15
